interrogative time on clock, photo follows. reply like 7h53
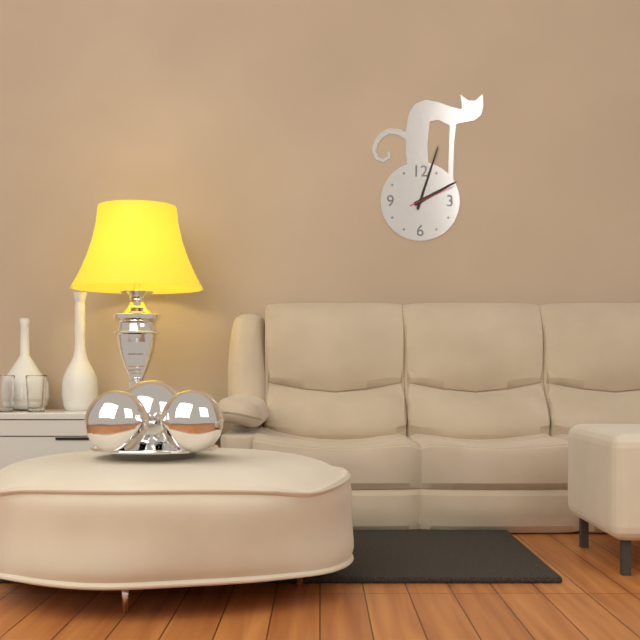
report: 2h03
